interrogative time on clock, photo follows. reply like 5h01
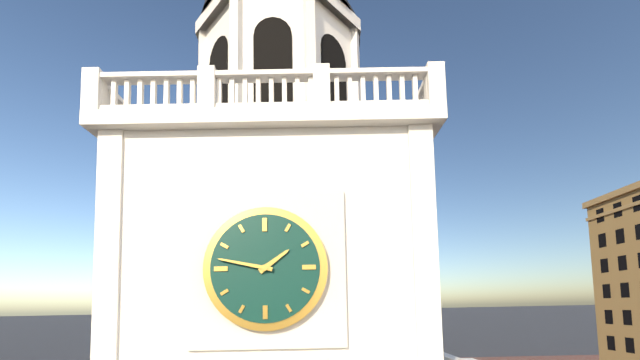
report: 1h47
